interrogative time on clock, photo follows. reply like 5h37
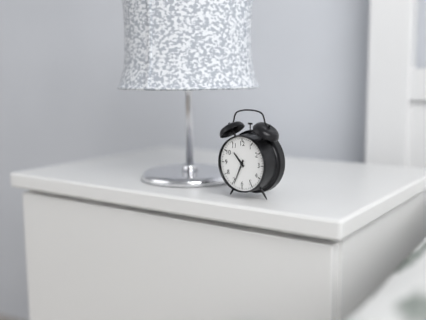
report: 10h34
